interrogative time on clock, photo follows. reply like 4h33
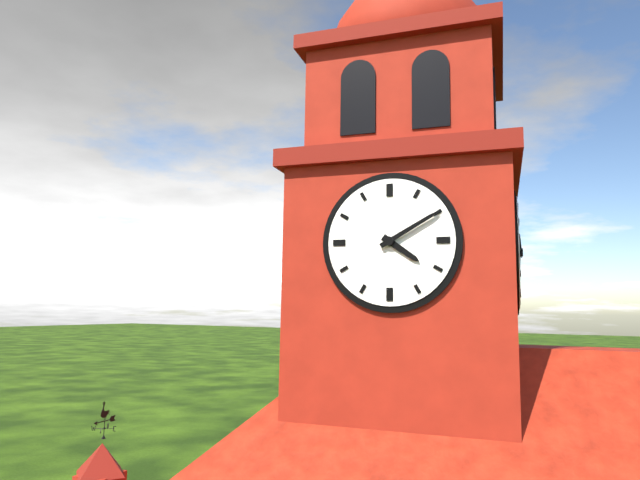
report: 4h10
